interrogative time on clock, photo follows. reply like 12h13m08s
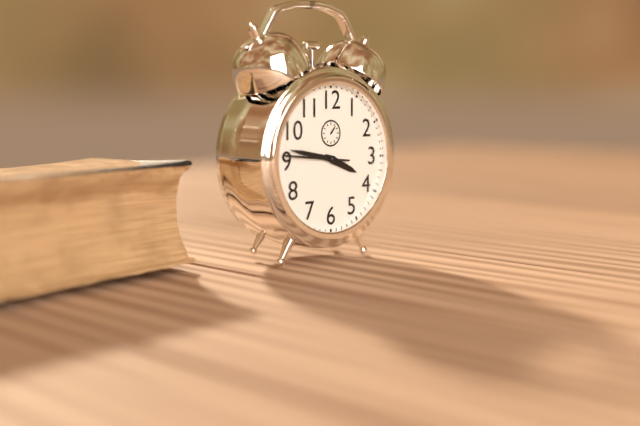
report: 3h47m46s
